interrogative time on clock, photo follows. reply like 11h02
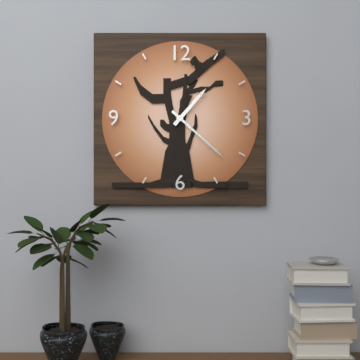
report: 1h22
